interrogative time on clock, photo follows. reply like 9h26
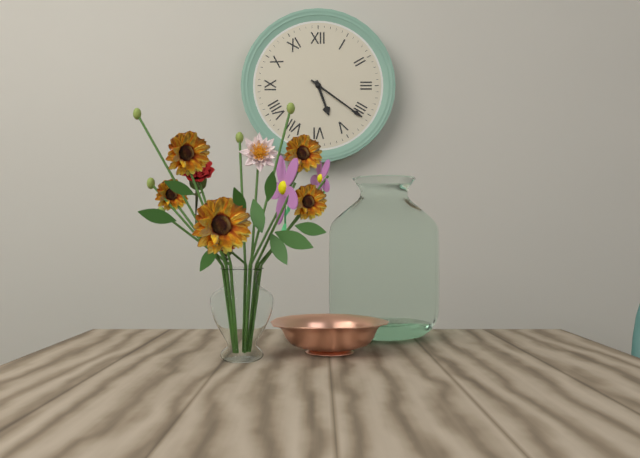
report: 5h21
